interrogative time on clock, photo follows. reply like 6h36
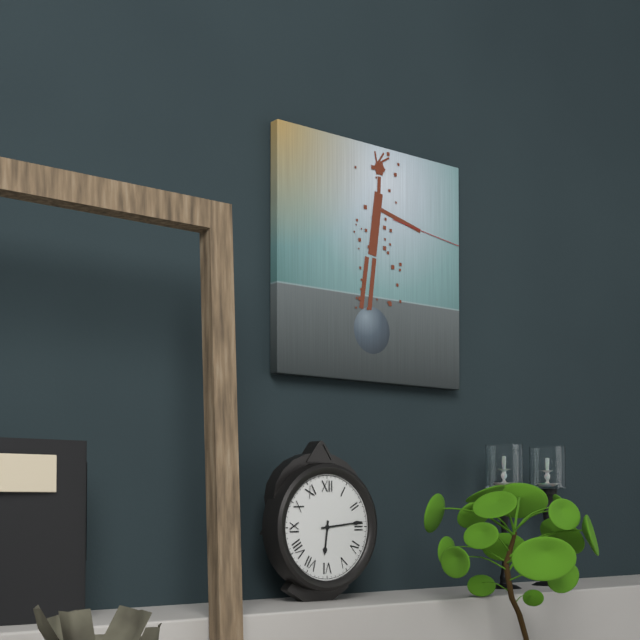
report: 6h14
